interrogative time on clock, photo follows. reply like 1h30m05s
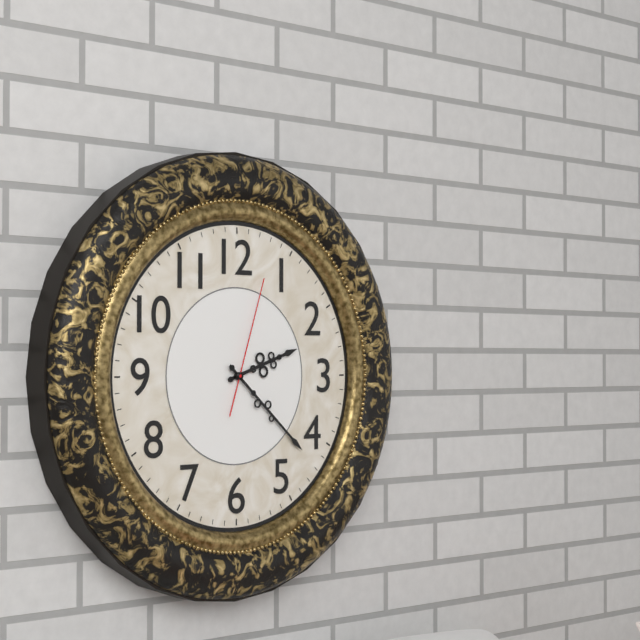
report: 2h22m03s
